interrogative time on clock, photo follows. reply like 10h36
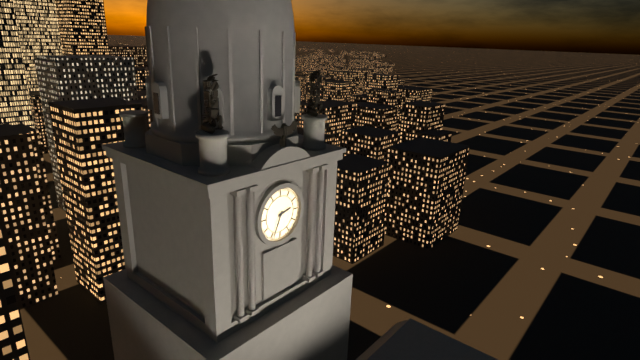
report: 2h34
